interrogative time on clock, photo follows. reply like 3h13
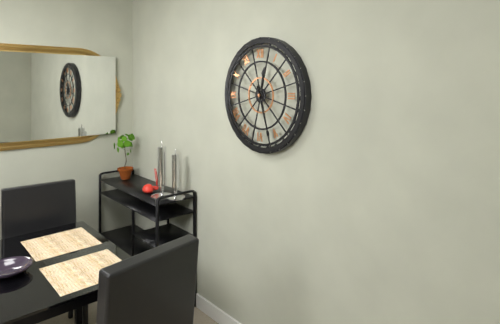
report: 12h27
